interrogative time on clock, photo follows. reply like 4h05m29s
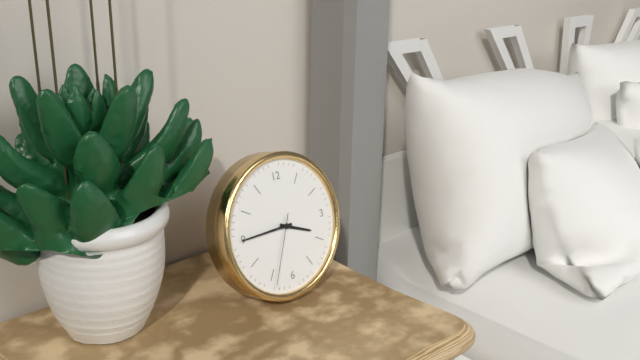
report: 3h45m34s
